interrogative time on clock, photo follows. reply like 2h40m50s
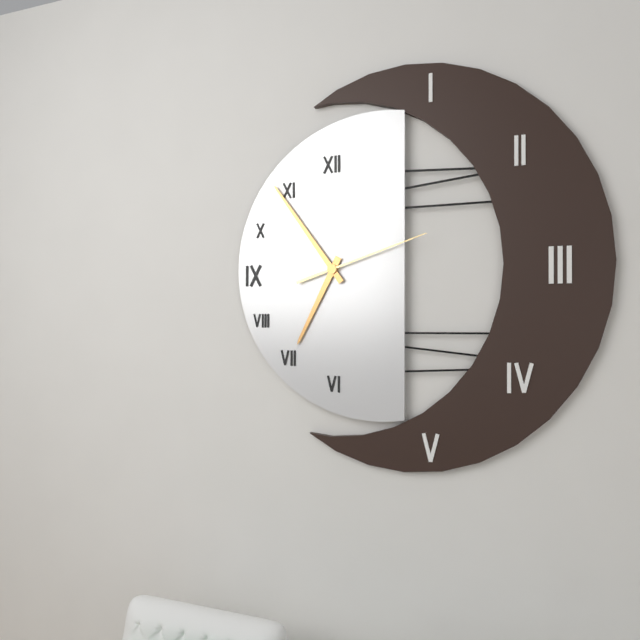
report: 6h54m12s
